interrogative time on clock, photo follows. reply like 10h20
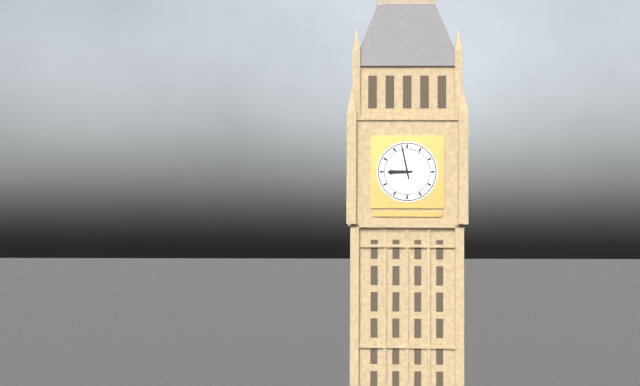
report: 8h58
